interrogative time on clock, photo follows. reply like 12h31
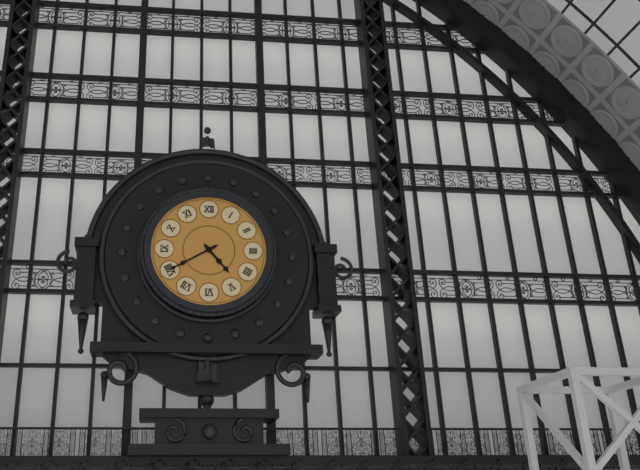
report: 4h40
